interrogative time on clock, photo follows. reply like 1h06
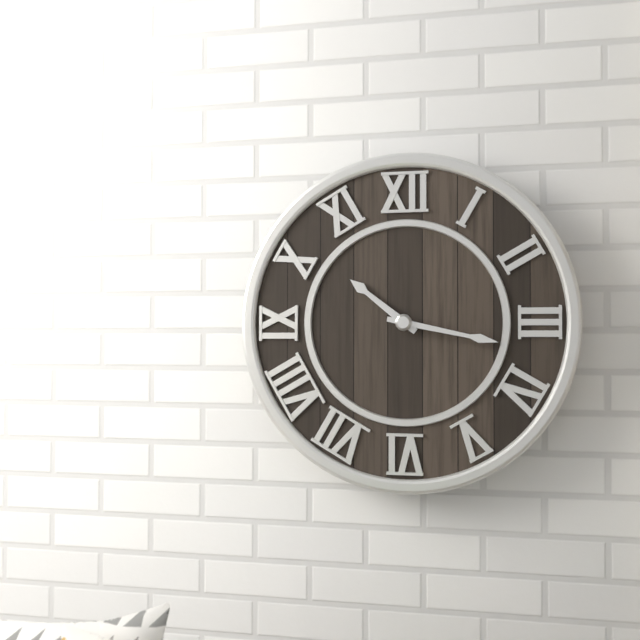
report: 10h17
